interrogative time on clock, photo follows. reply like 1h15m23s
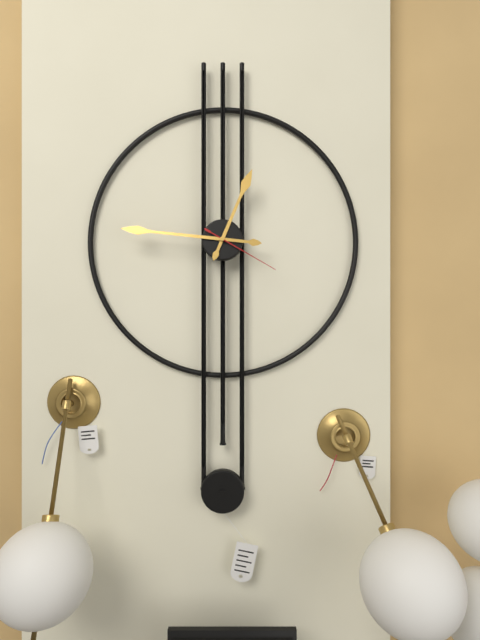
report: 12h46m20s
